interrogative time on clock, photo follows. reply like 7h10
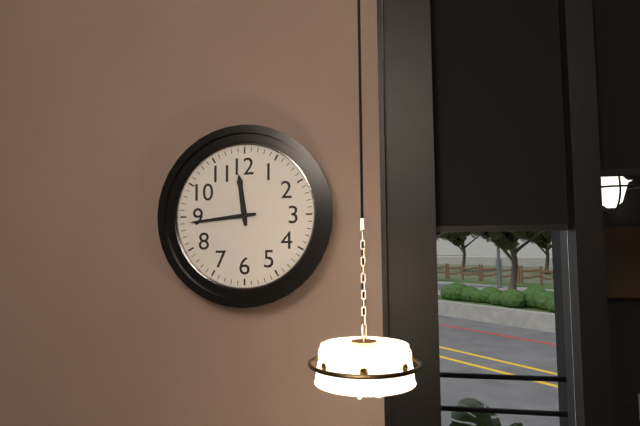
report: 11h44
